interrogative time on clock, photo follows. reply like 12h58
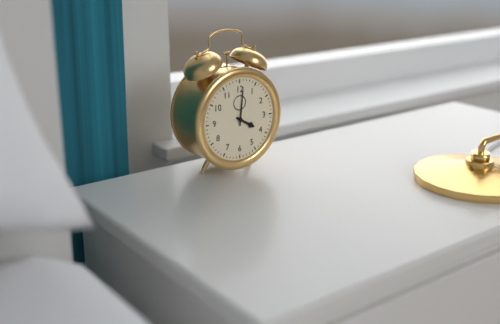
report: 4h01
